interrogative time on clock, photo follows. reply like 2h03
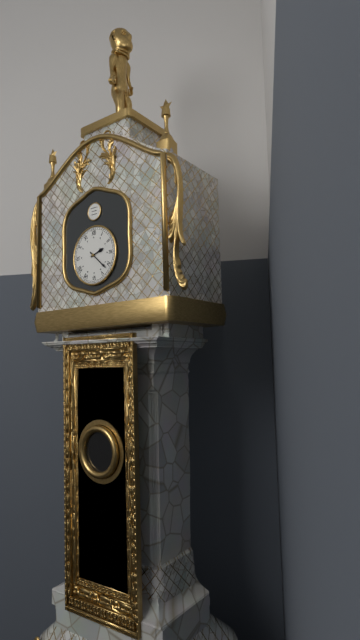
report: 2h22
